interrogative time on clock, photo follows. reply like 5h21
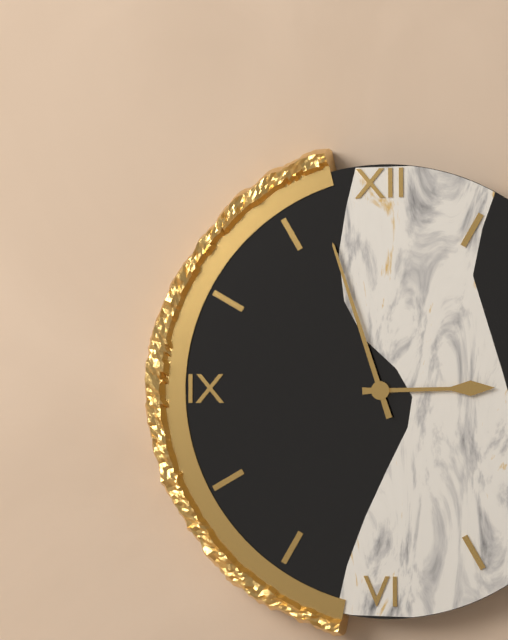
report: 2h57
